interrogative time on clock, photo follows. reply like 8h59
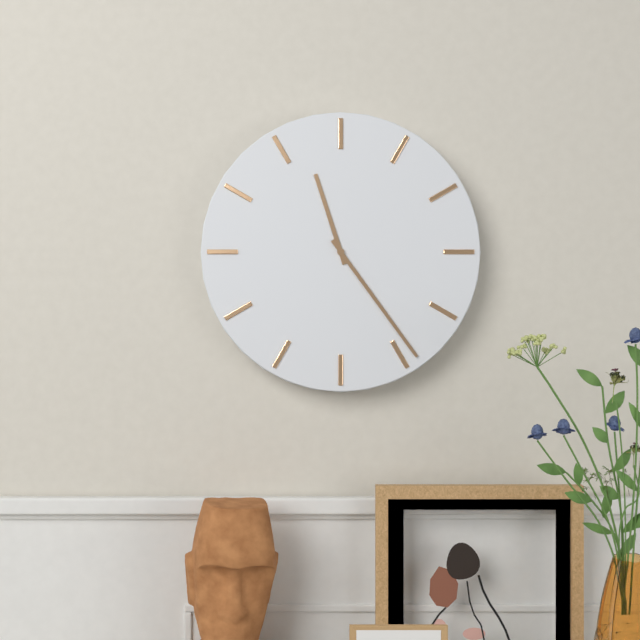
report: 11h24
